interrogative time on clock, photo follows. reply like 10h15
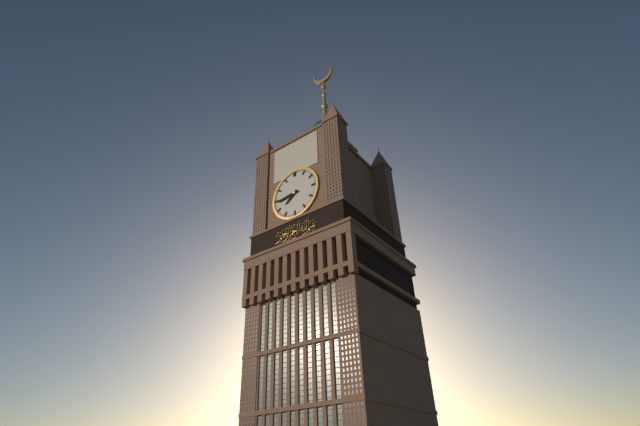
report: 7h44
